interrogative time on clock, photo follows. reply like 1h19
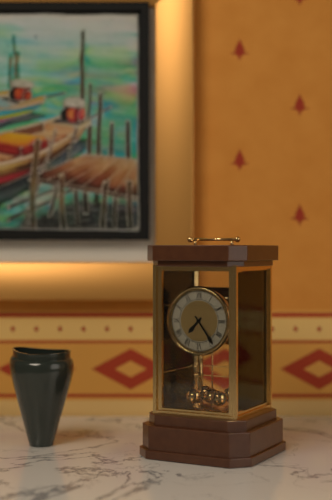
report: 7h24
